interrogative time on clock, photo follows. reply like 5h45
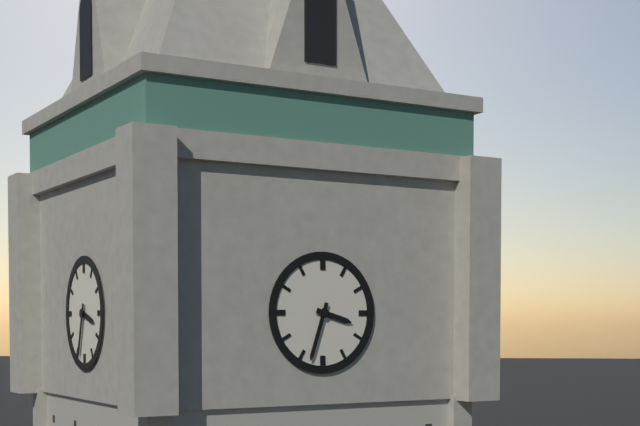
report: 3h33
